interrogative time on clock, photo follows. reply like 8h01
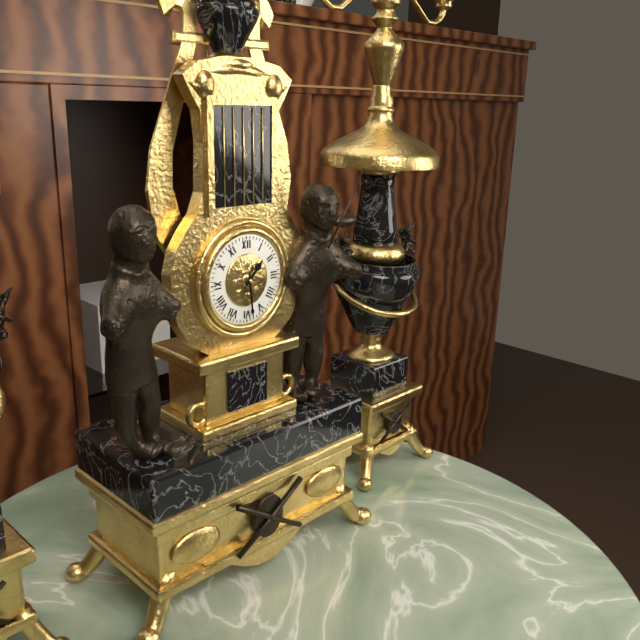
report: 1h29
